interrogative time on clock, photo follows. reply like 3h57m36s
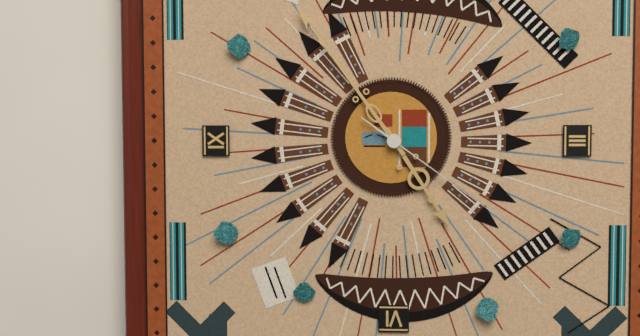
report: 4h54m21s
